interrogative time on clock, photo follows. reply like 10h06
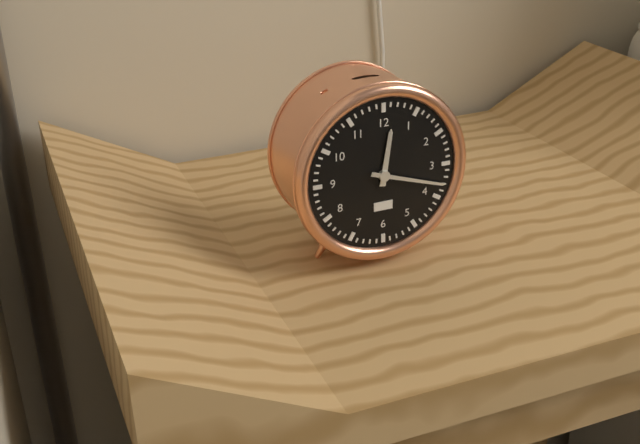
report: 12h18
